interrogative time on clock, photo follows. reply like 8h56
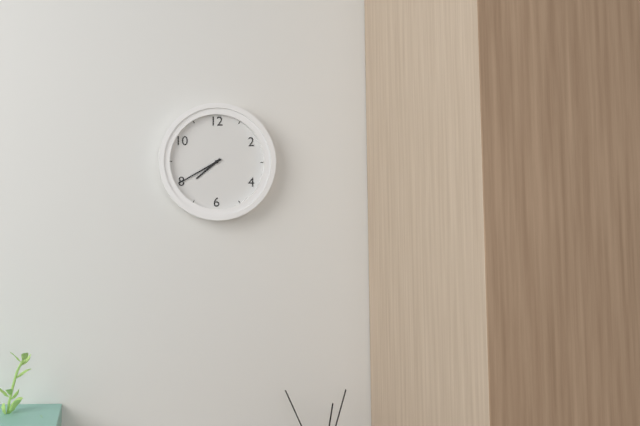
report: 7h40
